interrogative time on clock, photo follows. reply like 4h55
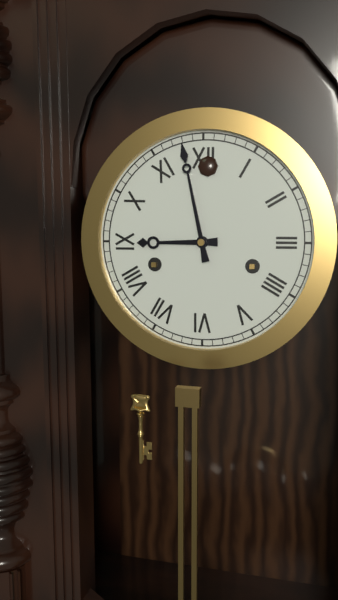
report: 8h58
